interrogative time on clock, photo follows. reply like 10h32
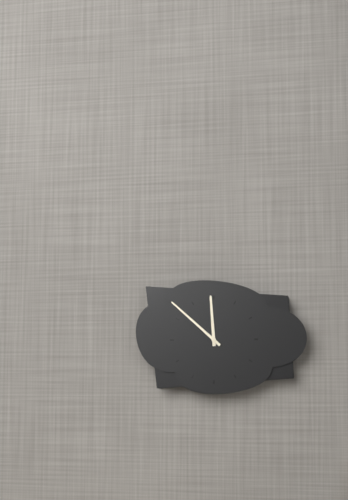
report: 11h52
